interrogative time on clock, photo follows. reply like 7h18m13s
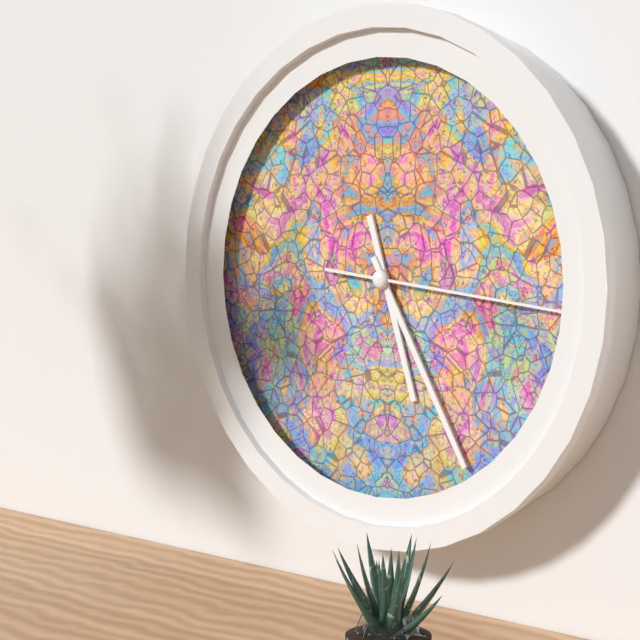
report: 5h25m16s
